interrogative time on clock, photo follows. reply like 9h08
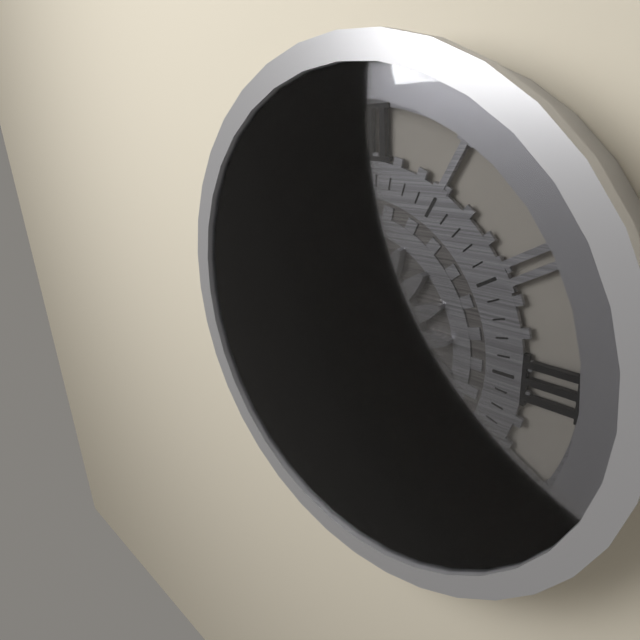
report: 10h31
